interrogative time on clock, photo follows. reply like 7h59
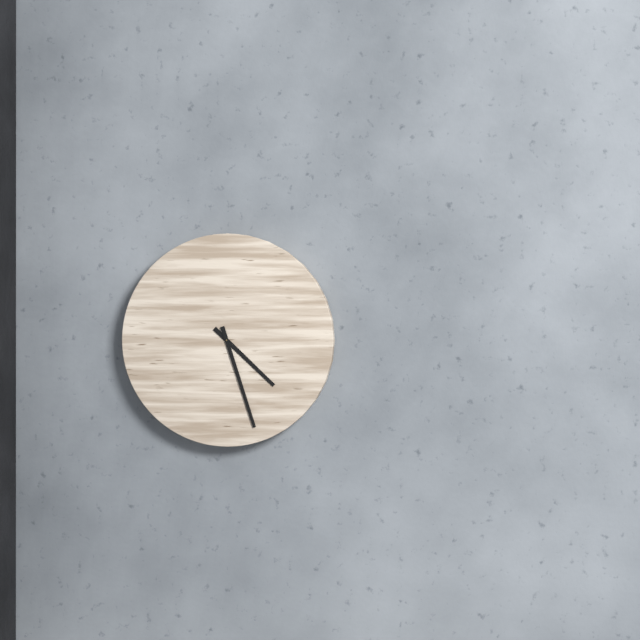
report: 4h27
